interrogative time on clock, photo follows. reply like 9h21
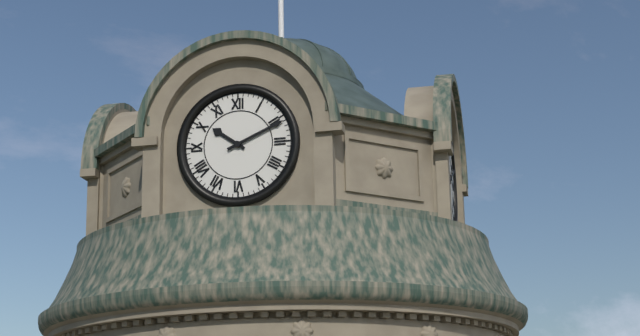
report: 10h11
